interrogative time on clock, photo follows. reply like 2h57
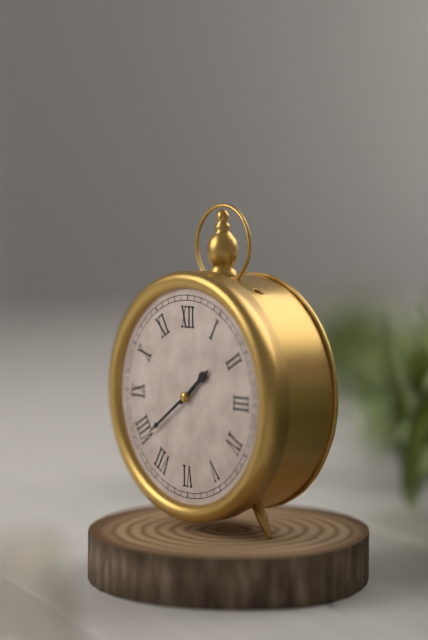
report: 1h39
